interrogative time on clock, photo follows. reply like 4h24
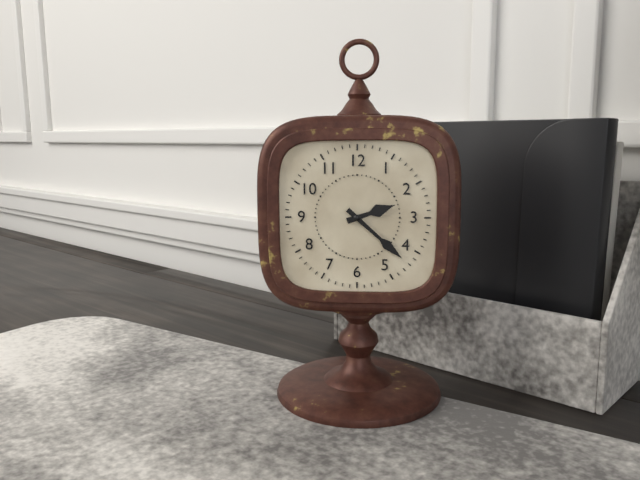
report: 2h22
